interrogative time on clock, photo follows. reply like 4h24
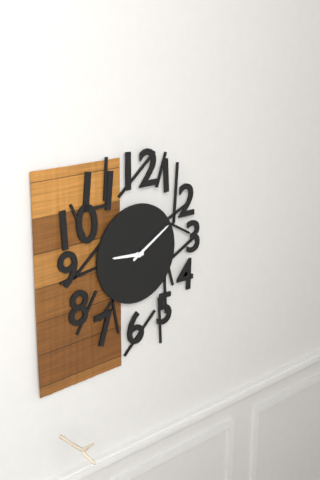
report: 9h10
